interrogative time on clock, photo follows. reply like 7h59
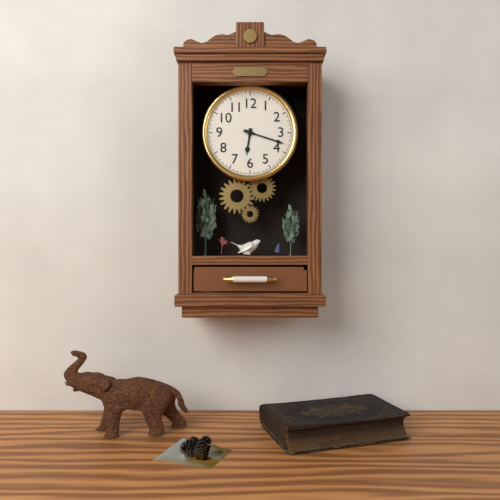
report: 6h18
